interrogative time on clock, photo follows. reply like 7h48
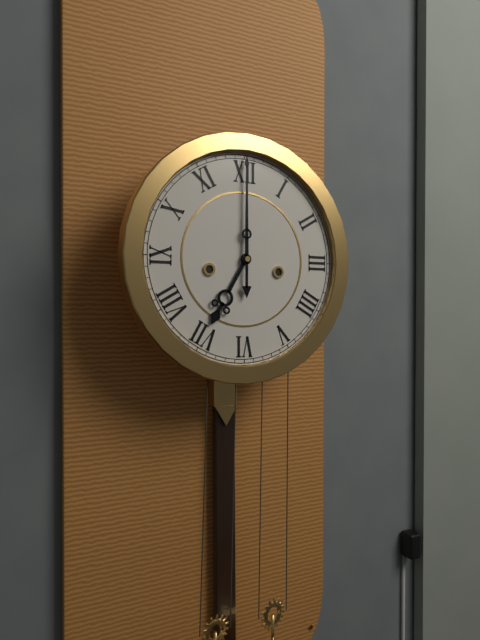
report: 7h00
